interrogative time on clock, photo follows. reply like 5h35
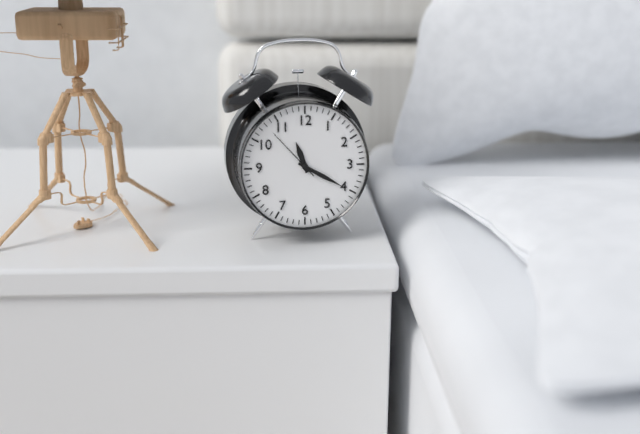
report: 11h20
